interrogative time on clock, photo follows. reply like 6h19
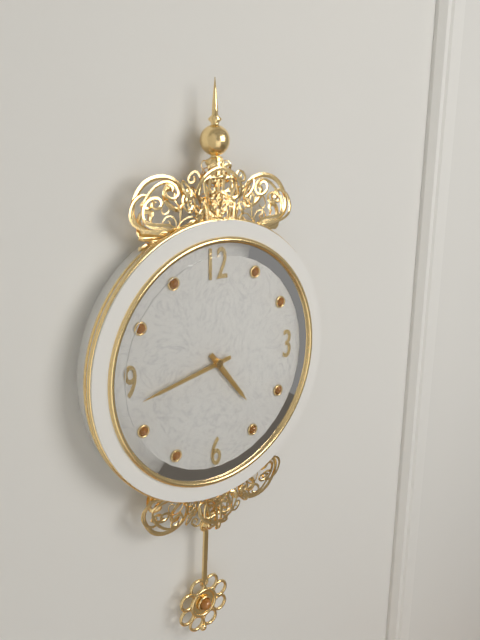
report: 4h43
